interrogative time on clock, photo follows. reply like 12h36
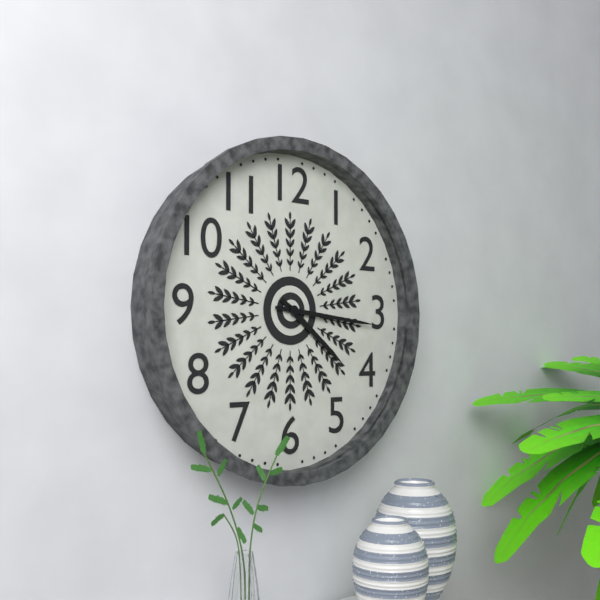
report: 4h16
